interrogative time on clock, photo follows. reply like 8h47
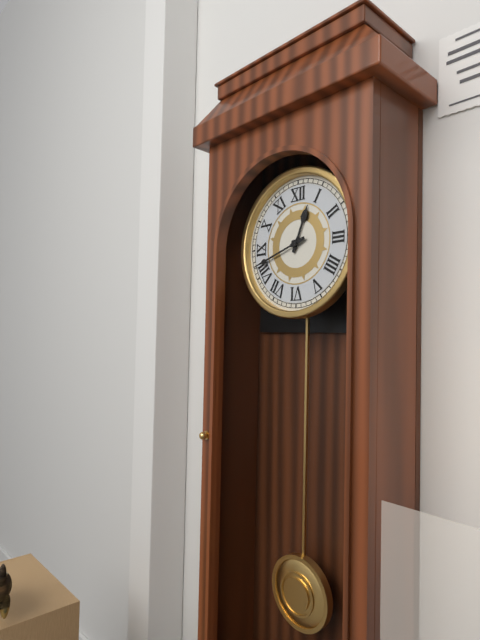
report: 12h42
